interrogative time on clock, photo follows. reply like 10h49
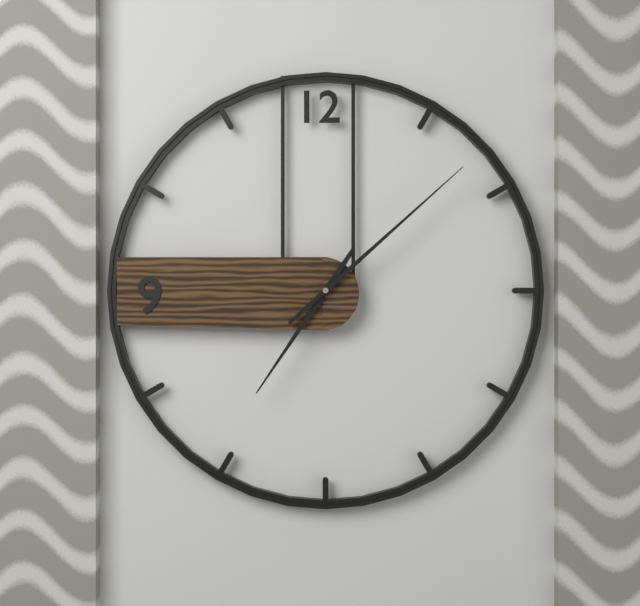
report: 7h08
